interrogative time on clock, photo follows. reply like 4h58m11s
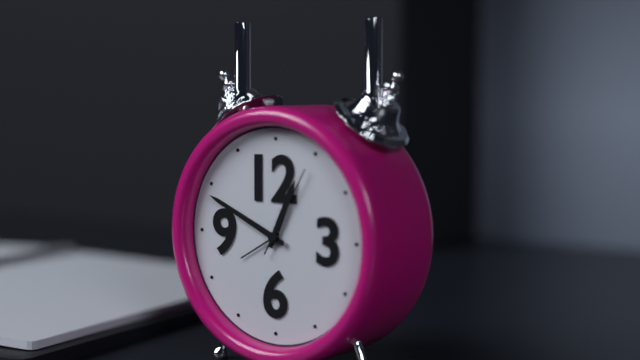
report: 12h49m05s
